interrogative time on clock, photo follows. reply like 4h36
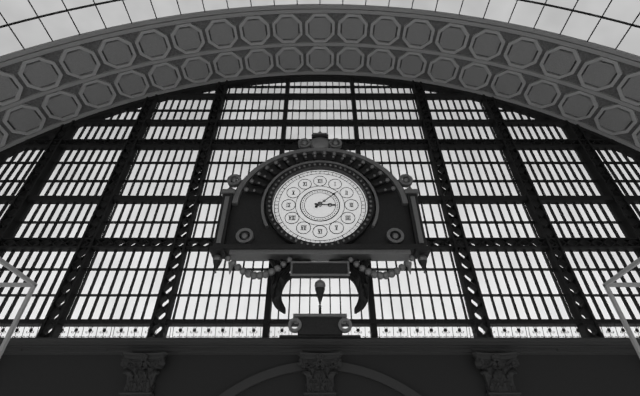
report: 3h08
